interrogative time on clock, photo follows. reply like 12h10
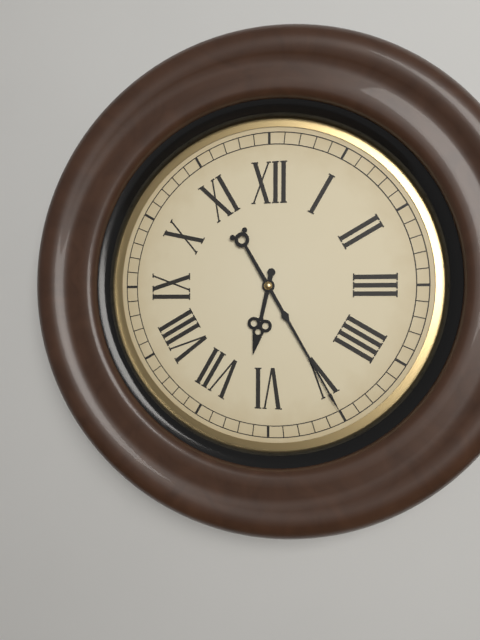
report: 6h25
